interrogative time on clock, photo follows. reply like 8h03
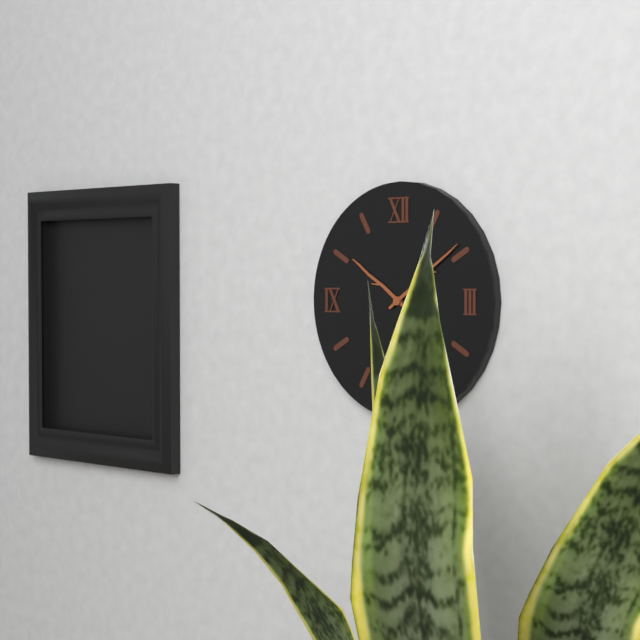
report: 10h09
